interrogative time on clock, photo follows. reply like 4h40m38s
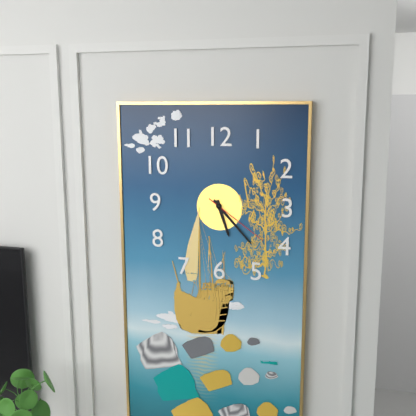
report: 5h23m21s
